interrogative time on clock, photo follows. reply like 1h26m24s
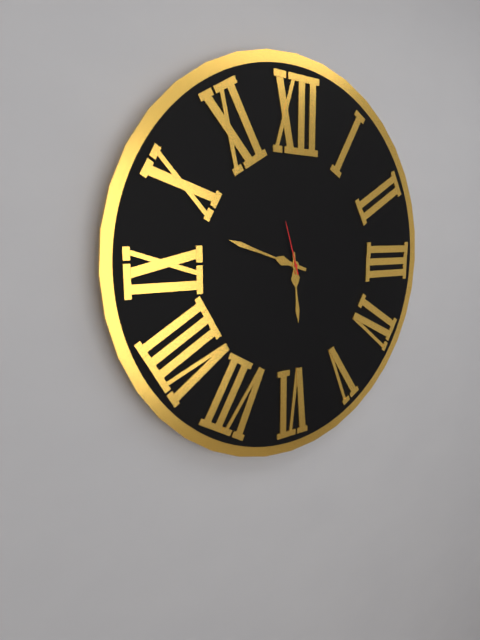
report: 5h48m57s
